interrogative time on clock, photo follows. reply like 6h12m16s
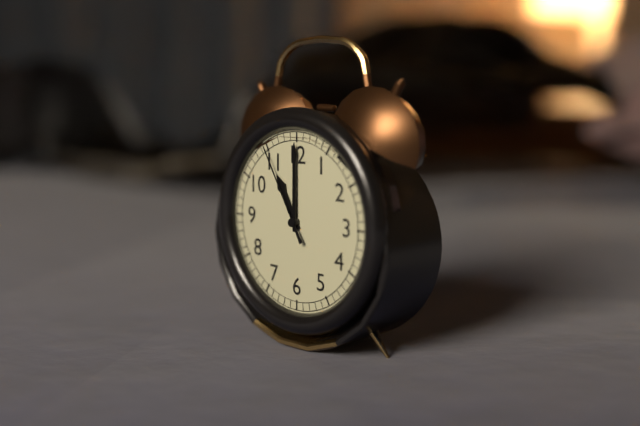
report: 11h00m55s
